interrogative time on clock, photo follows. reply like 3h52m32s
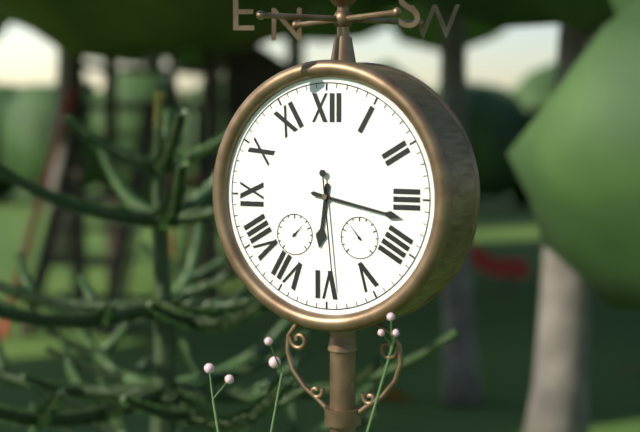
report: 6h17m29s
